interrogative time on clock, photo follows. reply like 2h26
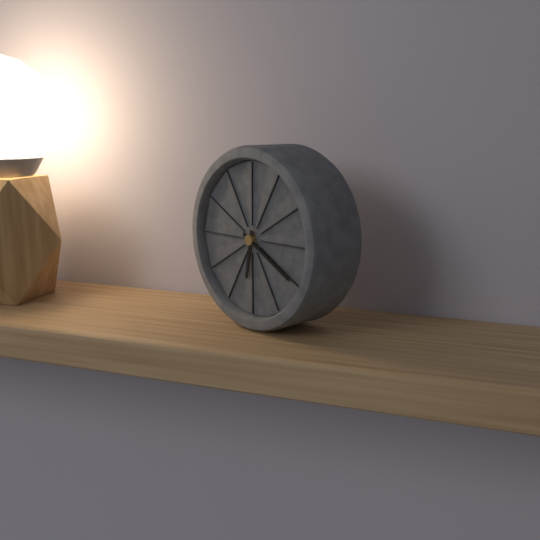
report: 6h20
